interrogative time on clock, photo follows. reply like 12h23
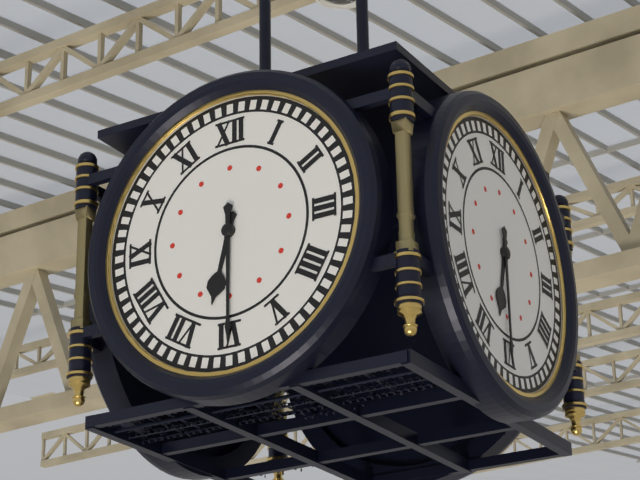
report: 6h30
